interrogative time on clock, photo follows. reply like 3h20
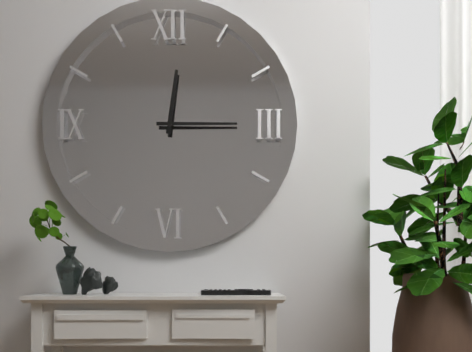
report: 12h15
